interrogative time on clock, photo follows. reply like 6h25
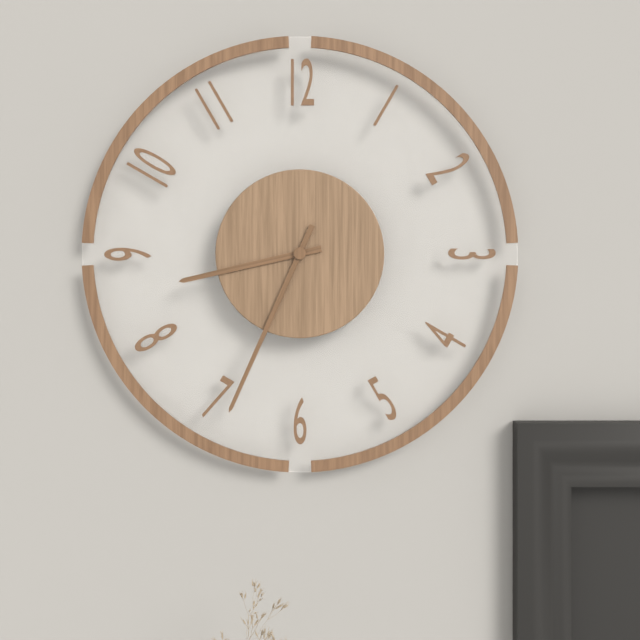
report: 8h34
